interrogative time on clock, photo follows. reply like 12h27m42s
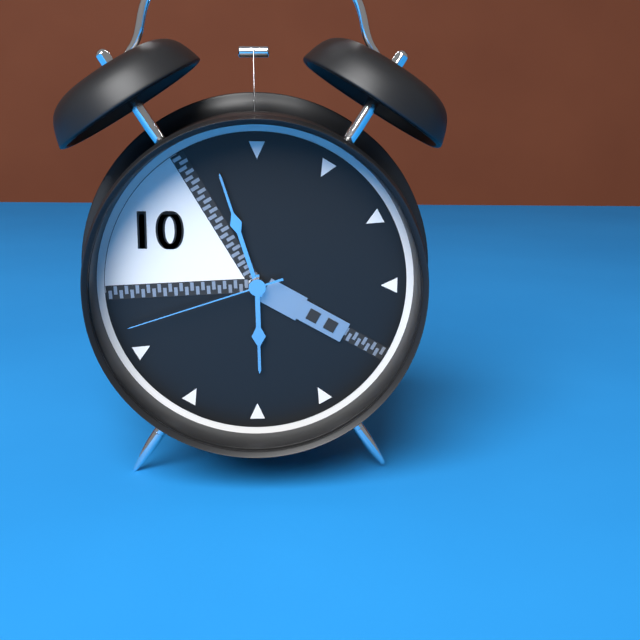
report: 5h57m42s
